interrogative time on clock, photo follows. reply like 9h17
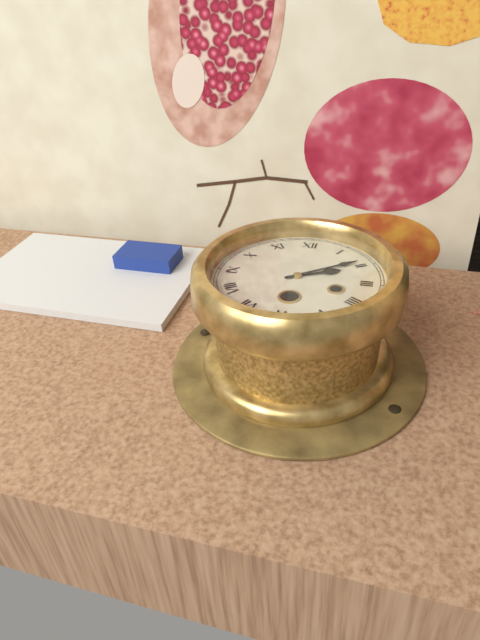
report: 2h09
